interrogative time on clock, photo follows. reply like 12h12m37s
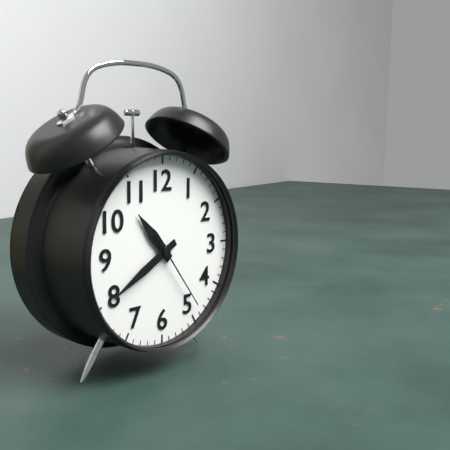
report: 10h40m24s
